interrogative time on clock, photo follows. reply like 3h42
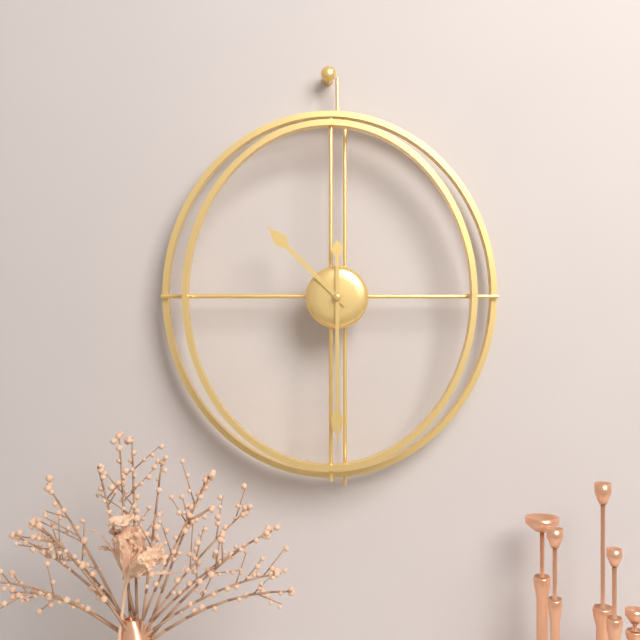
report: 10h30
